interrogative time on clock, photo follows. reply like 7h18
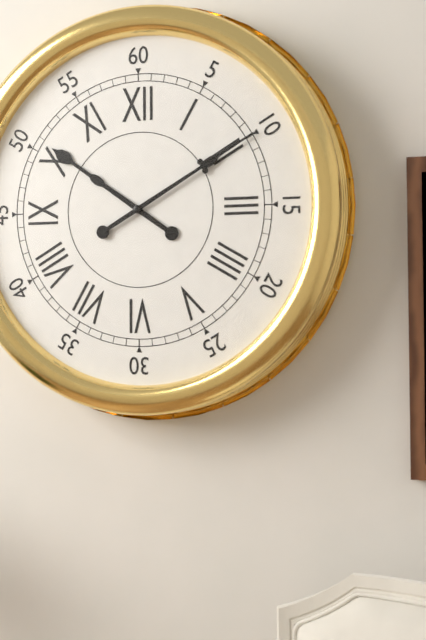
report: 10h10
